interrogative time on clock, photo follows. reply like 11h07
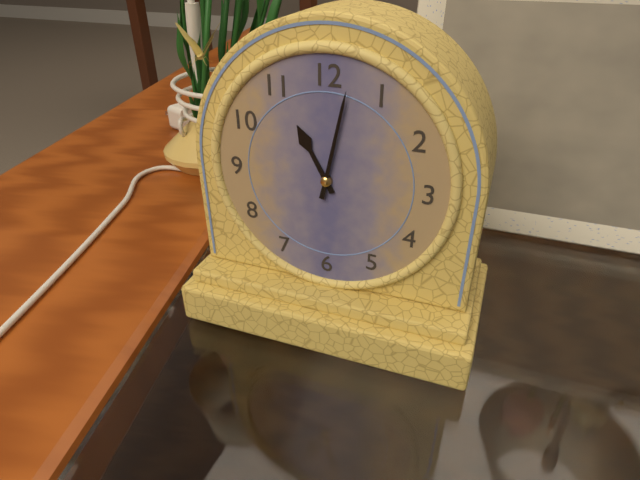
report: 11h02
